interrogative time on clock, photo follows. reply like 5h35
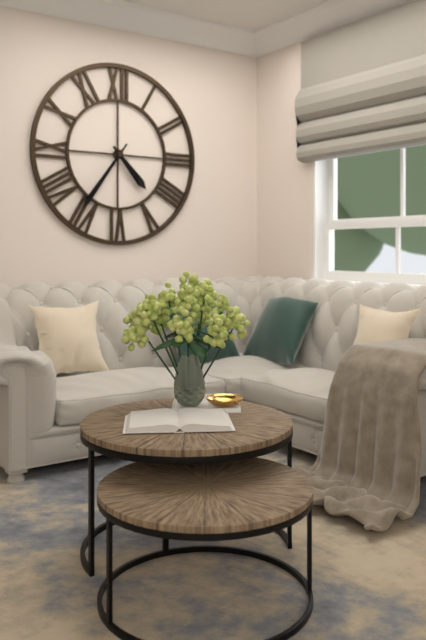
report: 4h36
